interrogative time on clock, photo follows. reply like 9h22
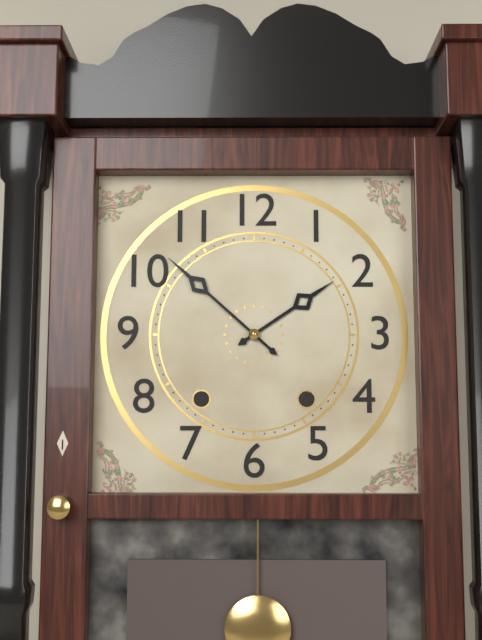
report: 1h52
